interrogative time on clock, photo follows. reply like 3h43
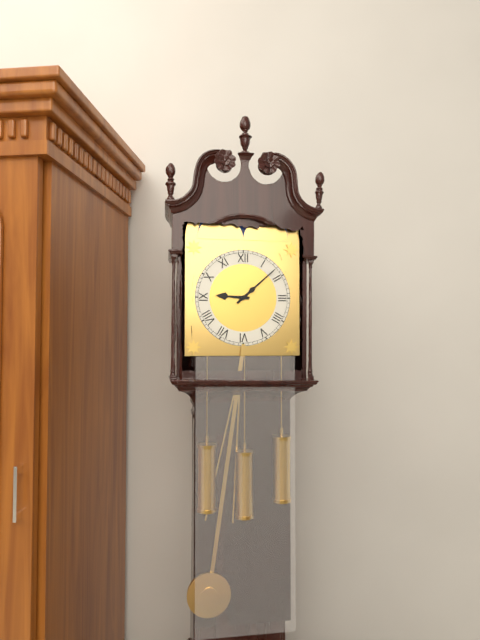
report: 9h08
